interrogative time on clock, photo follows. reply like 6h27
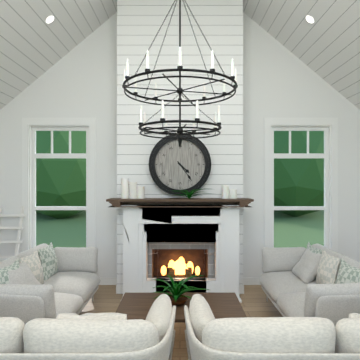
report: 4h24
